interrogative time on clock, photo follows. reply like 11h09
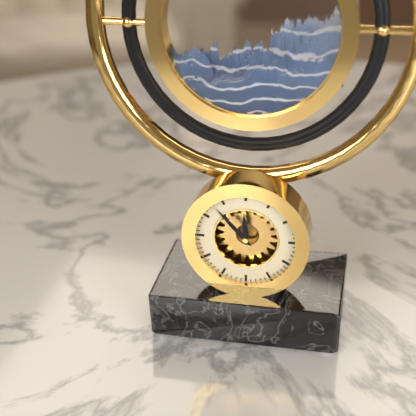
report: 11h53
